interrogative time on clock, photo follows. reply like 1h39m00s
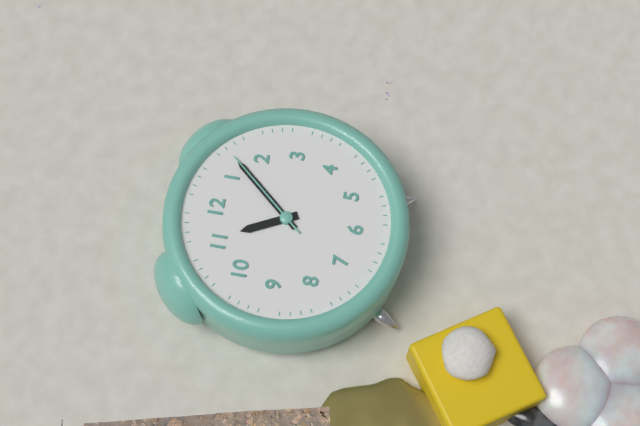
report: 11h07m07s
